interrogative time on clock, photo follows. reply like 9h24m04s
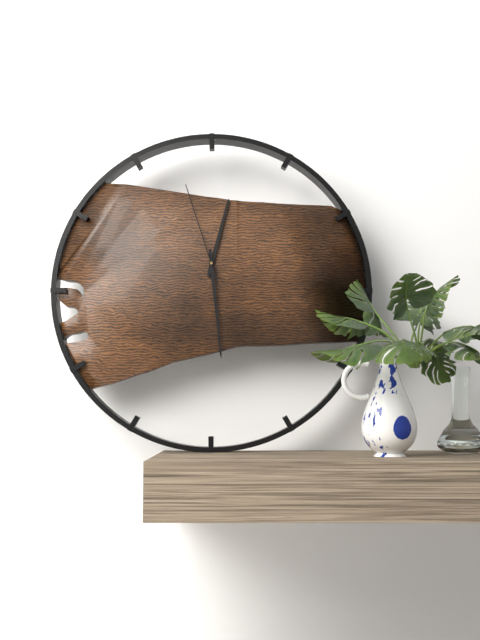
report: 12h29m57s
